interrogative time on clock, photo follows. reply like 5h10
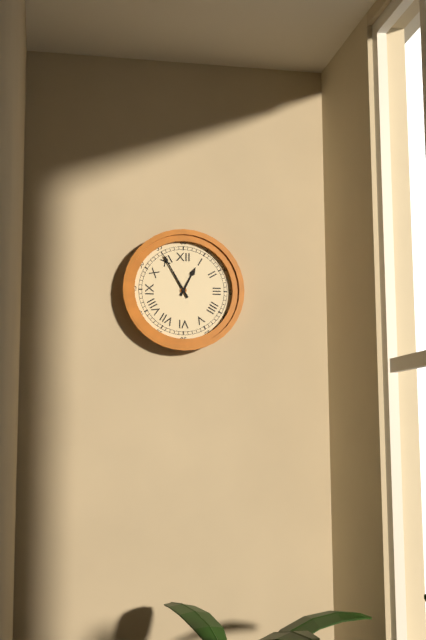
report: 12h55
